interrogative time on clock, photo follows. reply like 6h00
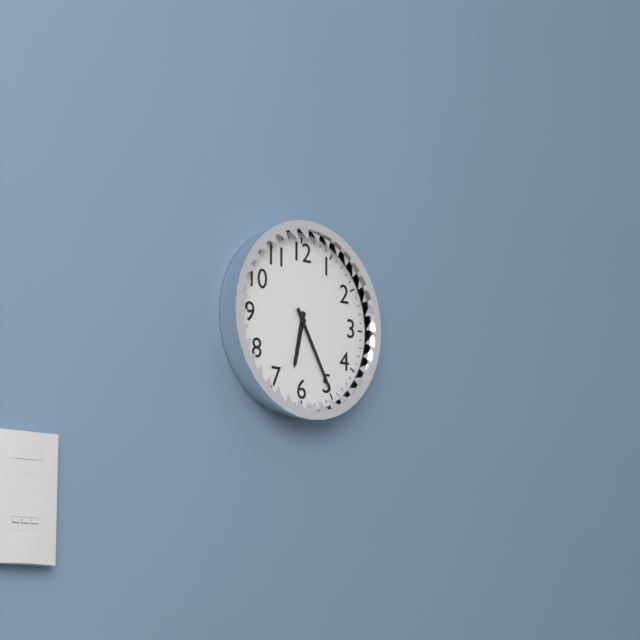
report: 6h25
